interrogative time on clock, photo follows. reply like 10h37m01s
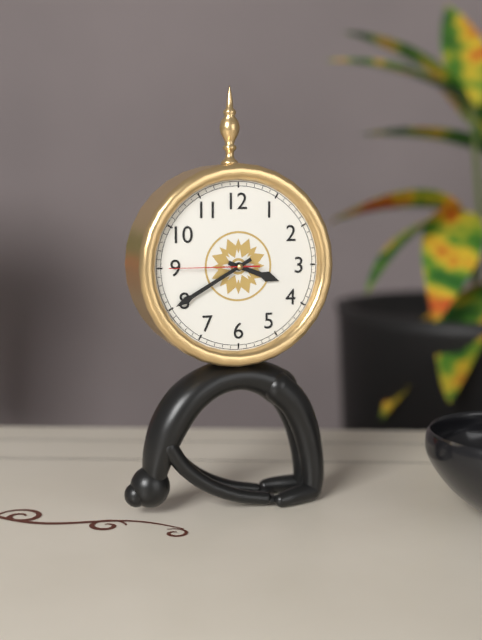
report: 3h40m45s
